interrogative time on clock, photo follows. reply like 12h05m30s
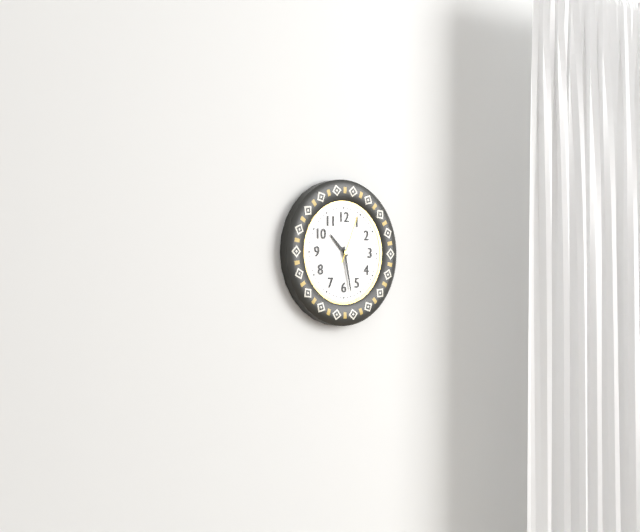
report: 10h28m04s
